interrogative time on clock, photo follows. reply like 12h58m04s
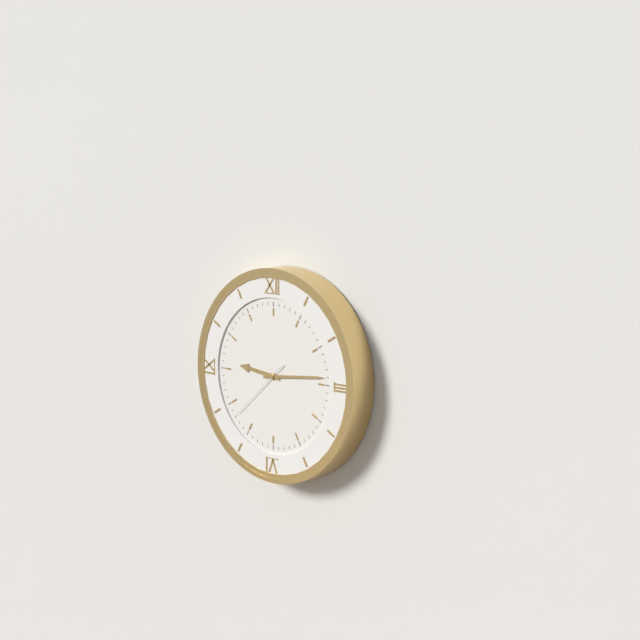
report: 9h14m38s
